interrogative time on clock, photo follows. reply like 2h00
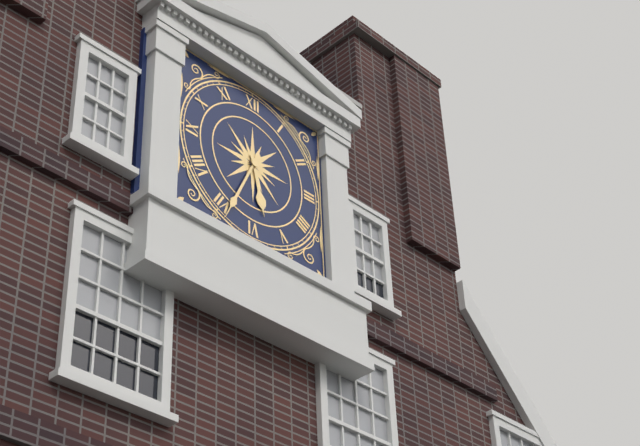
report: 5h34
